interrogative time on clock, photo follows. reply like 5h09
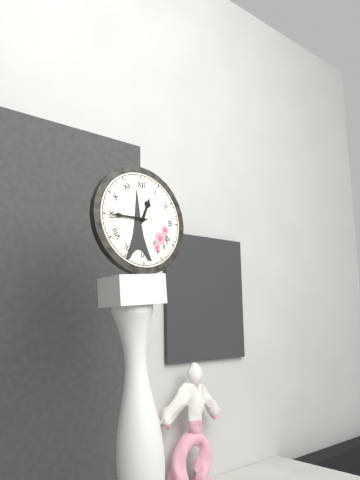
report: 12h45
